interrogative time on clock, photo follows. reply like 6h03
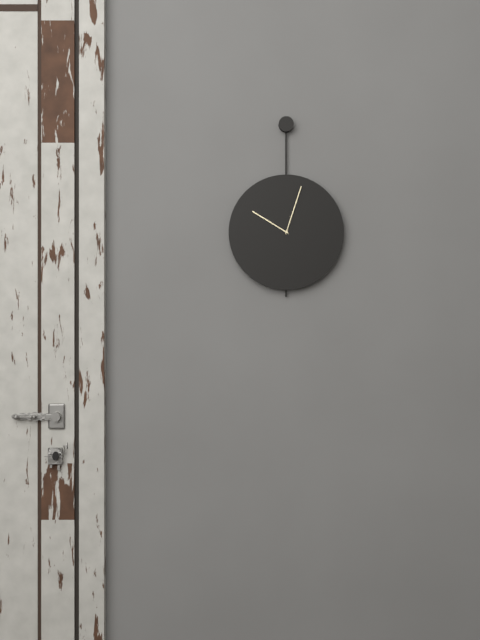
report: 10h03
